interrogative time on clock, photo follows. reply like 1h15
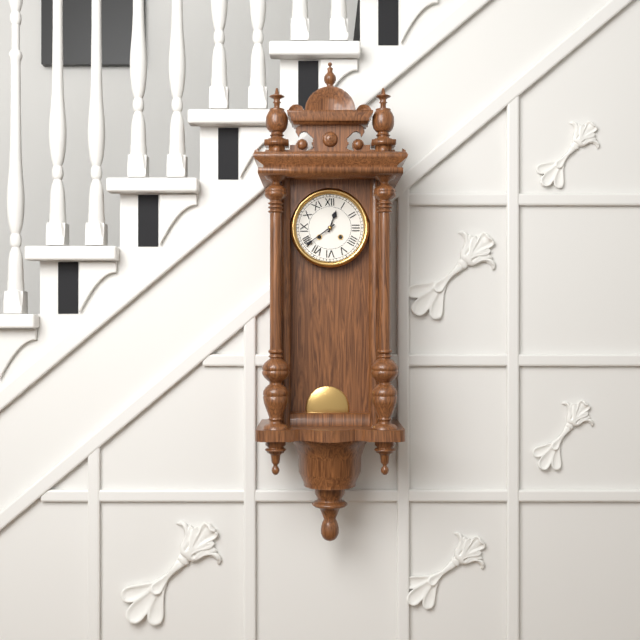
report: 12h39
